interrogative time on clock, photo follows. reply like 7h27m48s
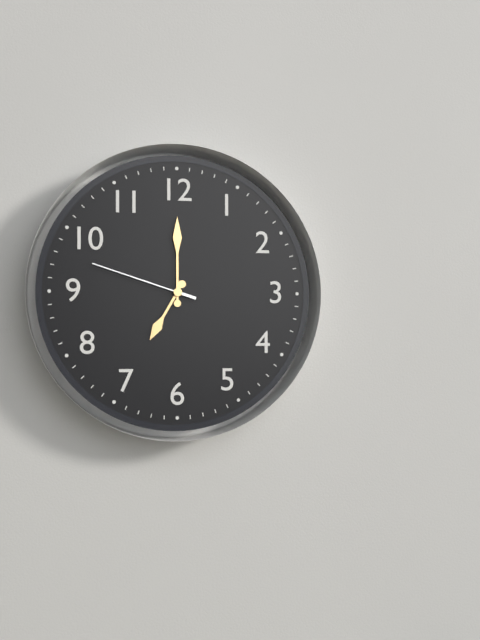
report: 7h00m48s
